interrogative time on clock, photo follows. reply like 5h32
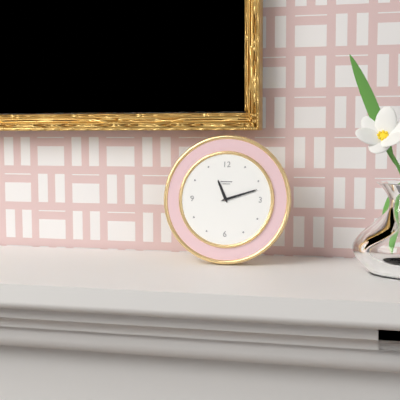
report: 11h12
